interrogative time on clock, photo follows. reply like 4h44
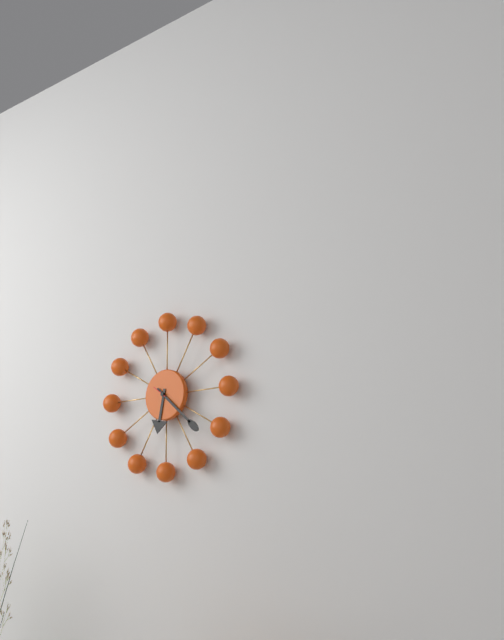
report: 6h22
